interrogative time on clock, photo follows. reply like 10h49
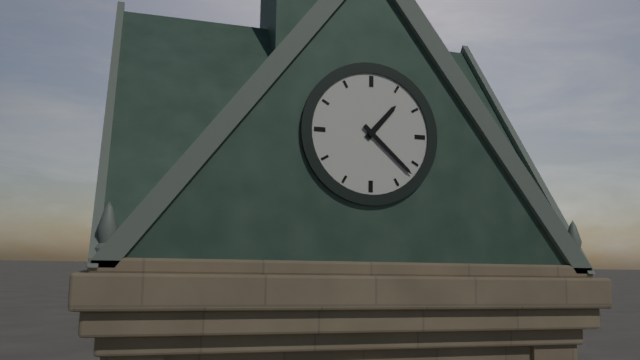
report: 1h22
